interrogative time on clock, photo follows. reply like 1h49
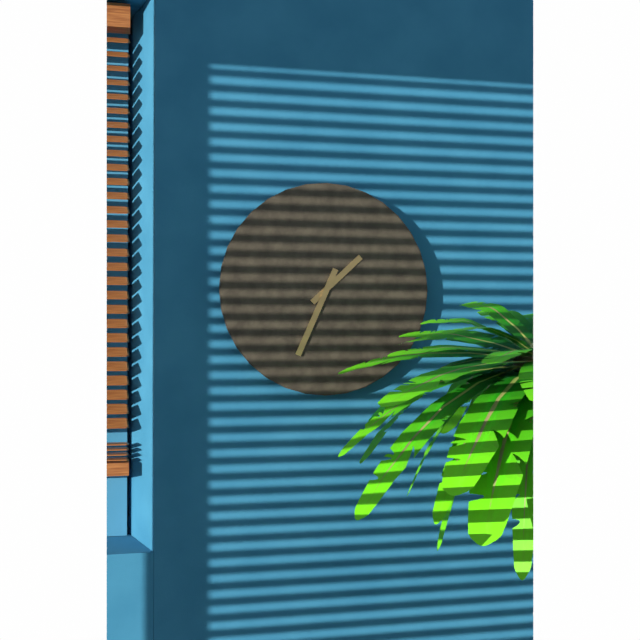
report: 1h34
